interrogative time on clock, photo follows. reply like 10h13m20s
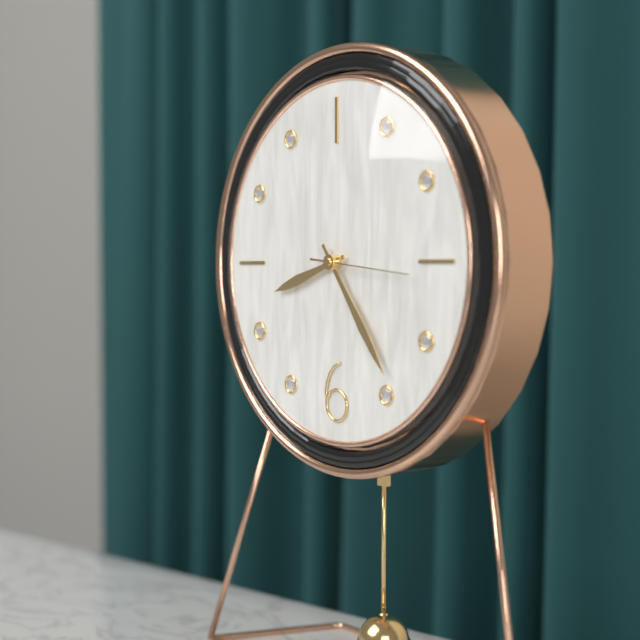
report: 8h24m16s
